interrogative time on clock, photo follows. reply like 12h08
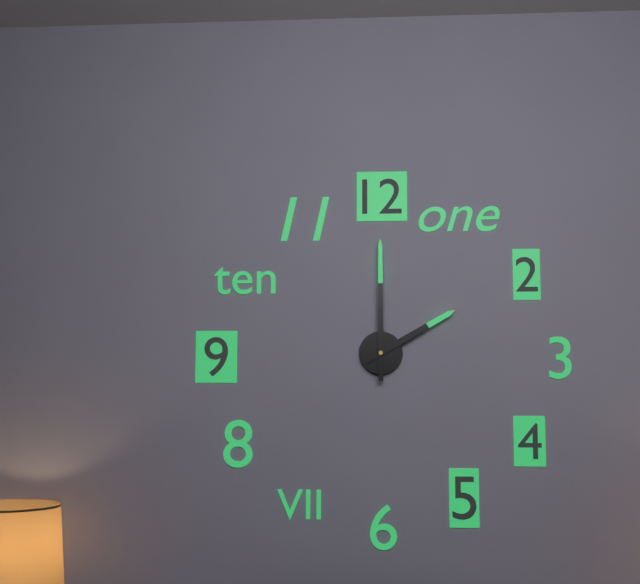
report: 2h00
